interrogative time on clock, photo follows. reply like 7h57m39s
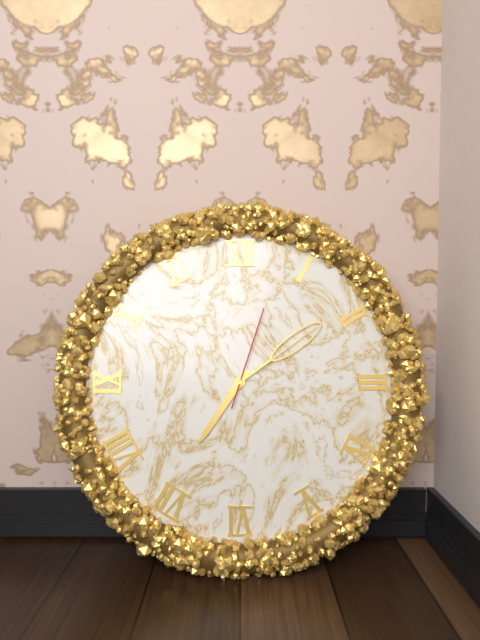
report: 7h09m03s
